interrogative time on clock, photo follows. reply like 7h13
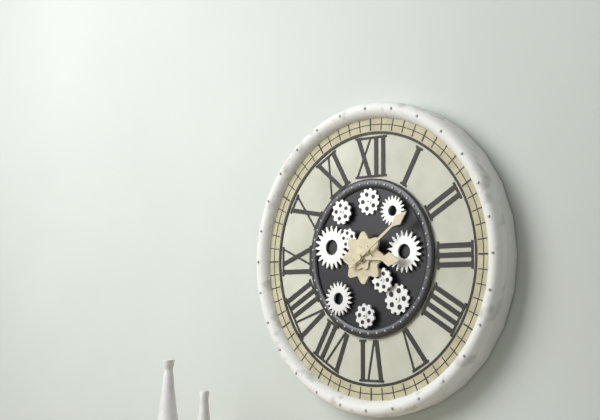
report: 3h09
